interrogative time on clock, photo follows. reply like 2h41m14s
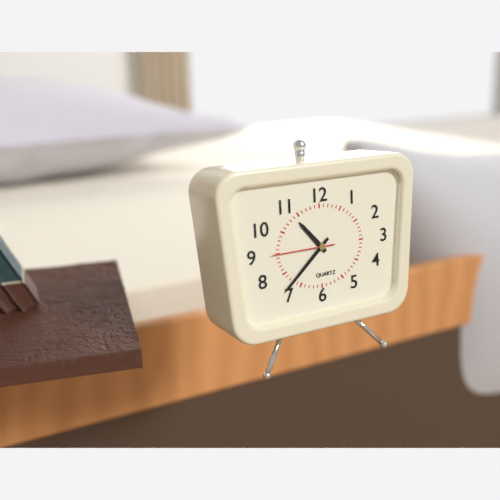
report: 10h38m45s
